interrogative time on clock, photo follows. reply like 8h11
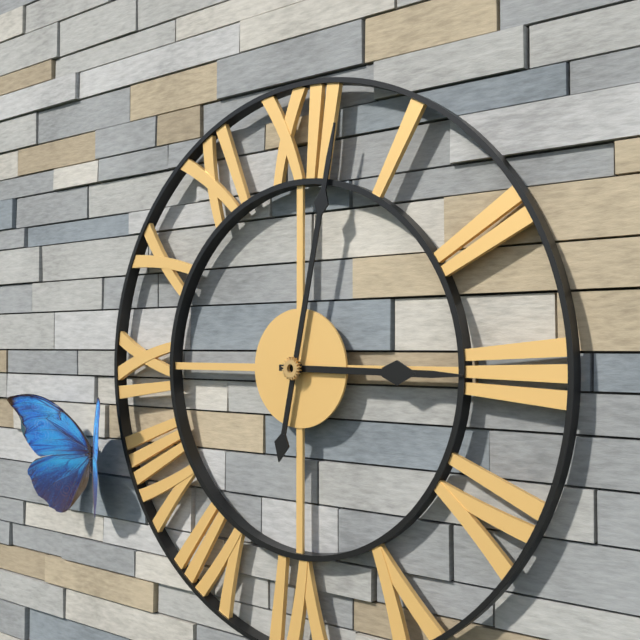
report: 3h02
